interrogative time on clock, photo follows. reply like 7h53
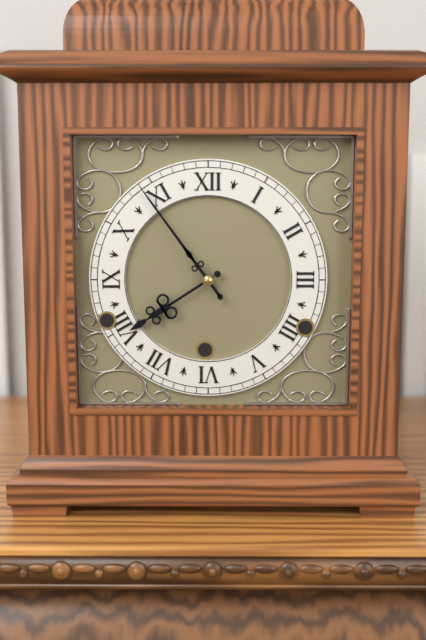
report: 7h54
